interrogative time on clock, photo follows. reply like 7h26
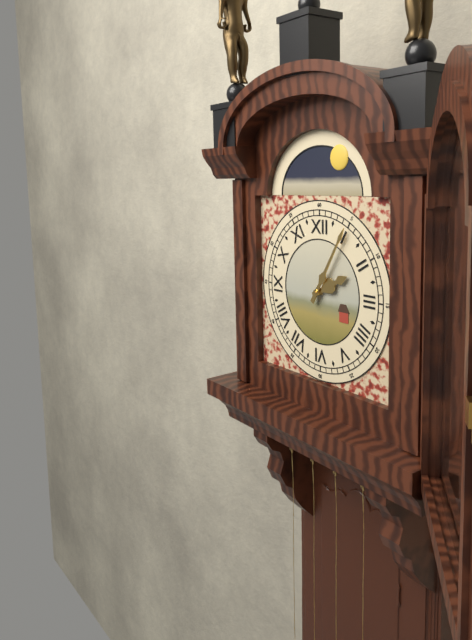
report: 2h05
